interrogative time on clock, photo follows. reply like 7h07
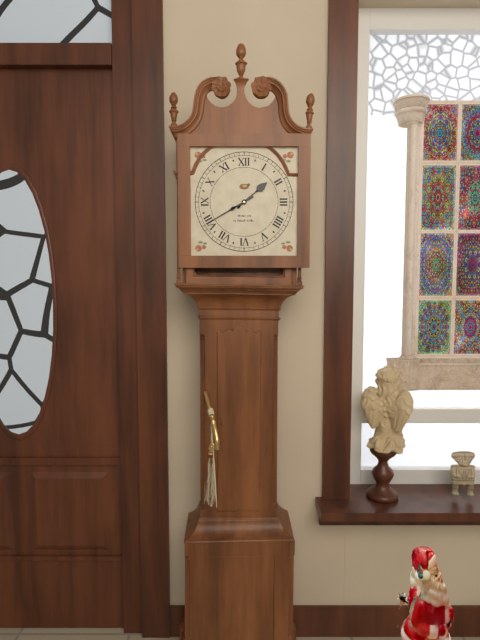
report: 1h40
